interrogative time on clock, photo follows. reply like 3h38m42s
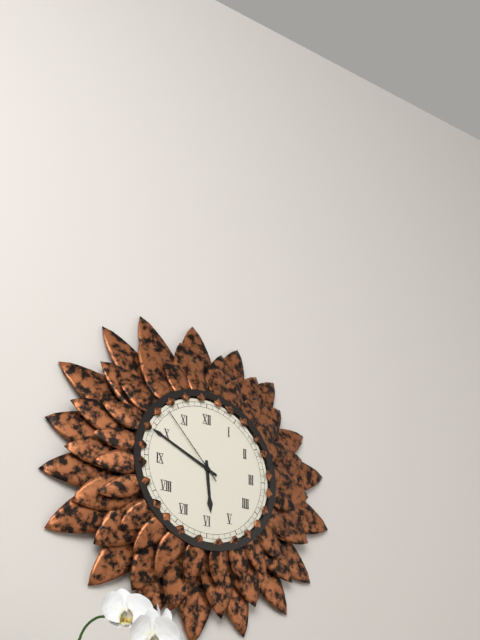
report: 5h49m53s
